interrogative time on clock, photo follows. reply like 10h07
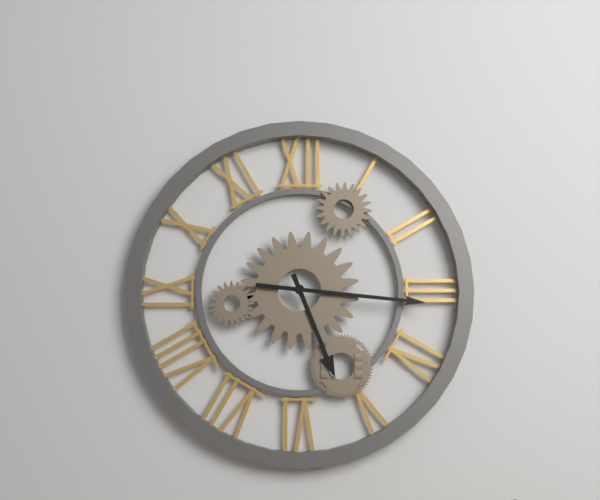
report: 5h16
